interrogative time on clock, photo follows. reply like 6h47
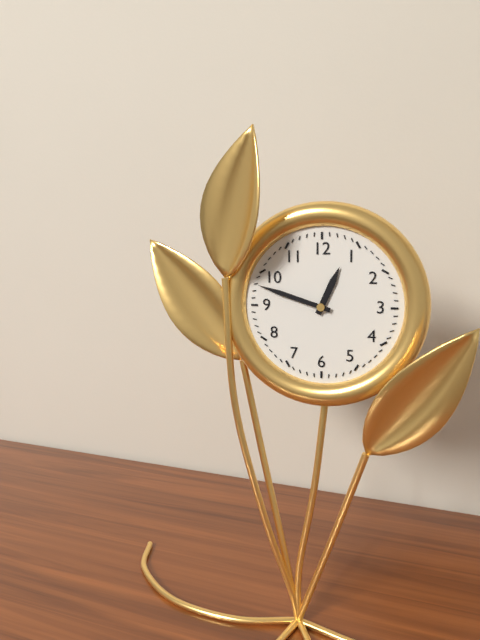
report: 12h48
